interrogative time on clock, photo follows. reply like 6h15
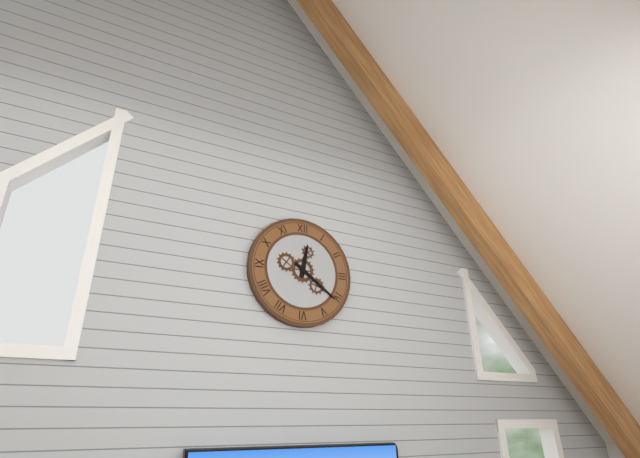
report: 12h21
